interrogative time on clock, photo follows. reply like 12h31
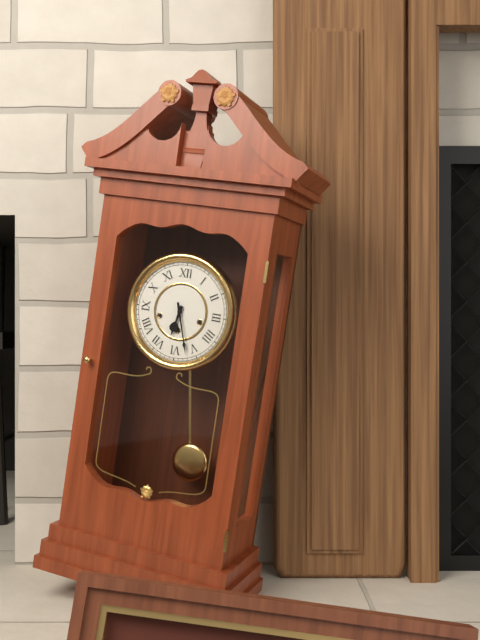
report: 6h27
